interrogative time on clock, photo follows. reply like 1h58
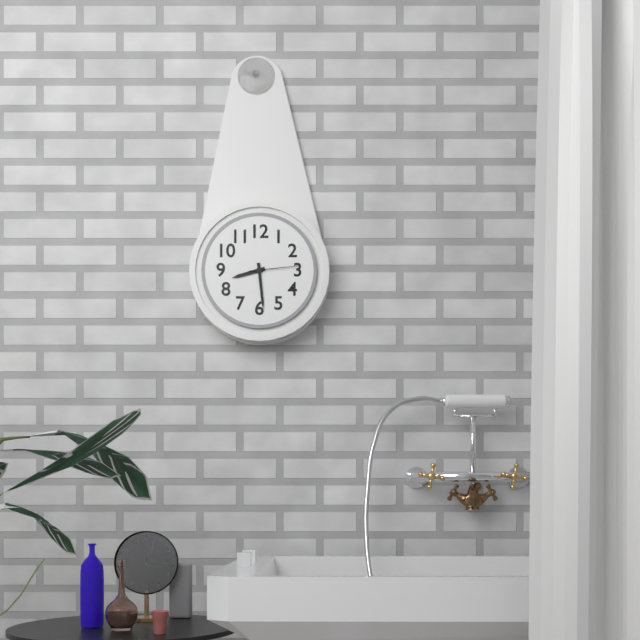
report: 8h29
